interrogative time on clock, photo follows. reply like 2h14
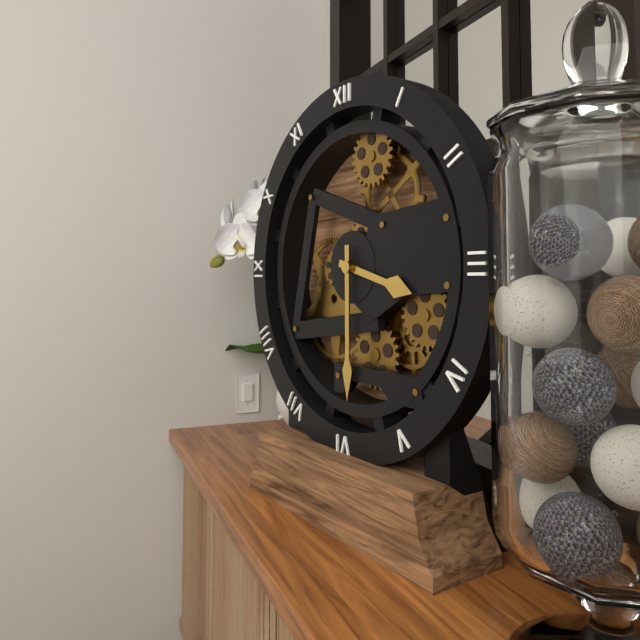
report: 3h30
